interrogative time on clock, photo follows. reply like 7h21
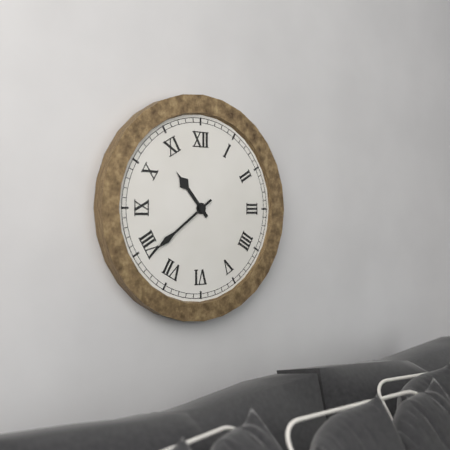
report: 10h39
